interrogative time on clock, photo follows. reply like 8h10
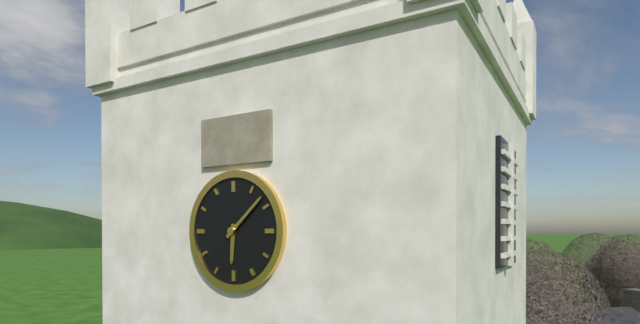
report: 6h08
